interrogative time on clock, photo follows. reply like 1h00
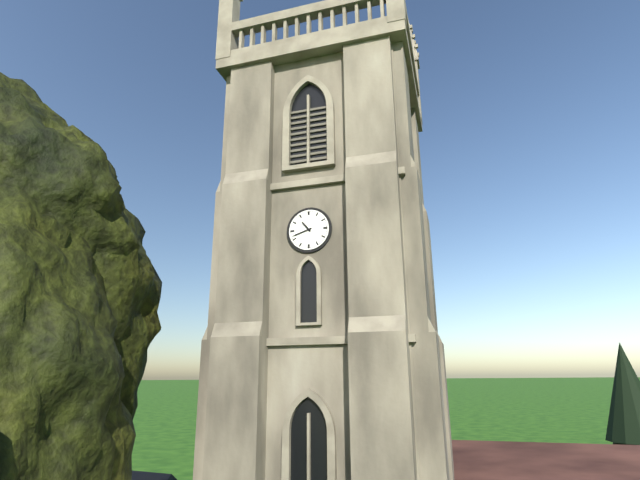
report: 10h42
